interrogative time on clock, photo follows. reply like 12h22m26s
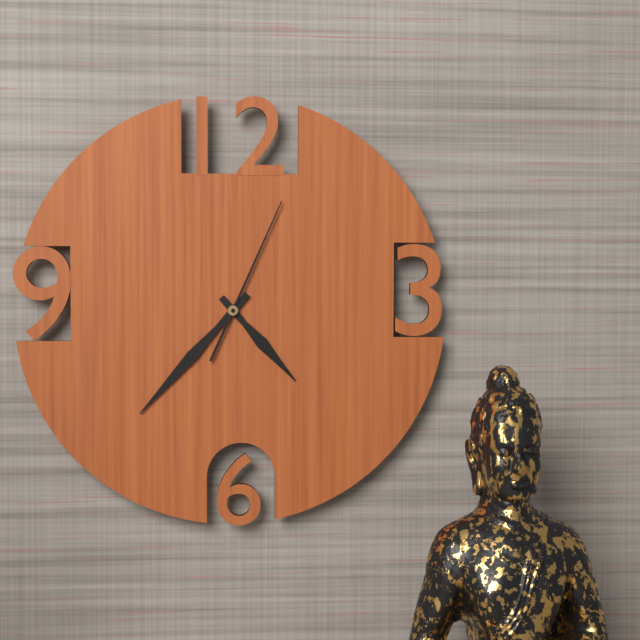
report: 4h37m04s
